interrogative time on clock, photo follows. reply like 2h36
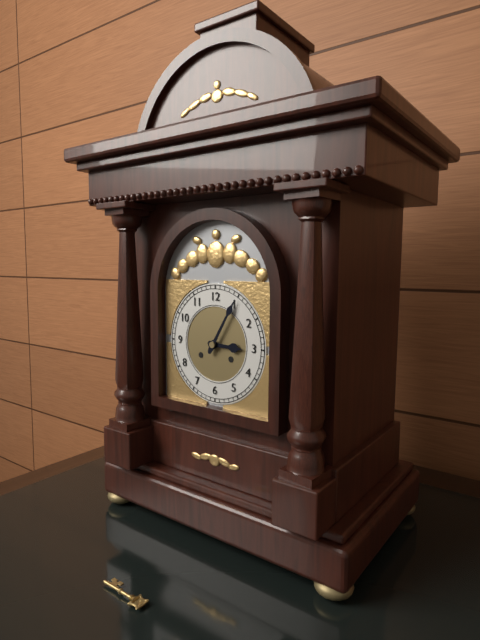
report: 3h05
